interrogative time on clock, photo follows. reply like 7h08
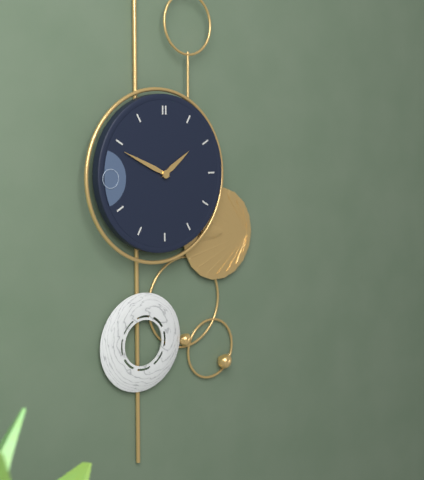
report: 1h49
